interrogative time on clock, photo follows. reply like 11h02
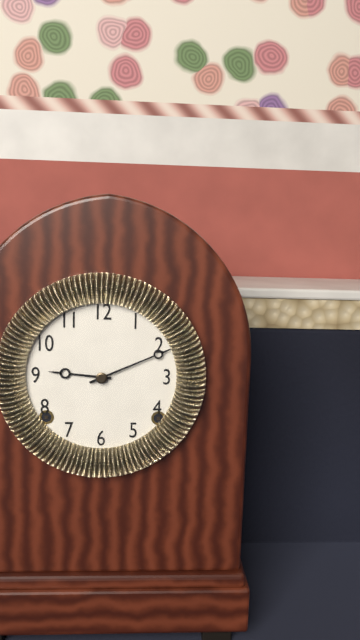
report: 9h11
